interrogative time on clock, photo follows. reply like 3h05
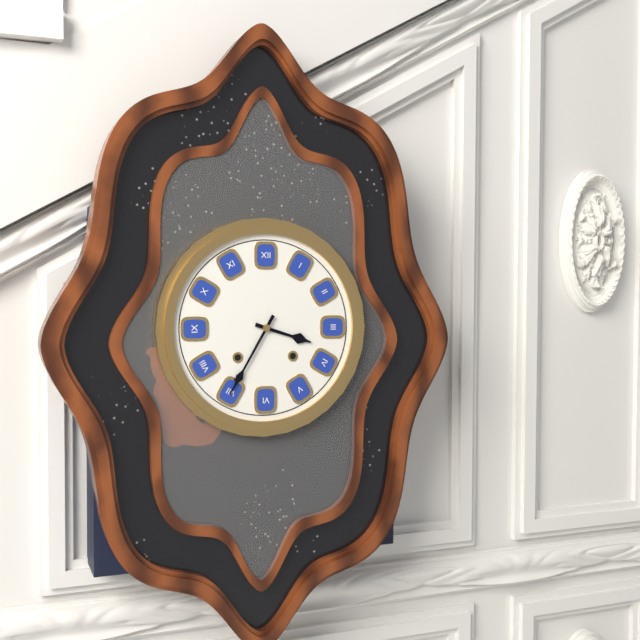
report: 3h35
